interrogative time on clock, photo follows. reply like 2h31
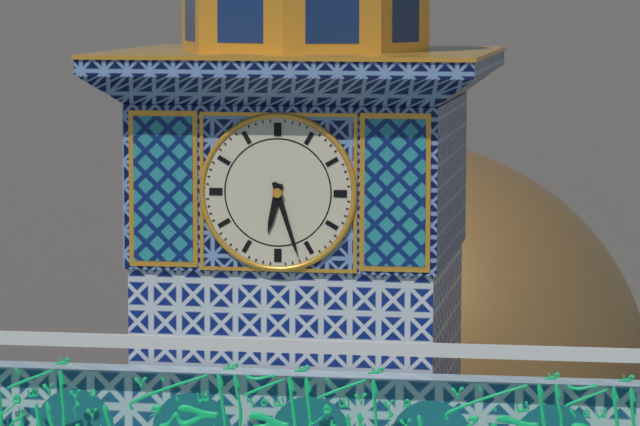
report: 6h27
